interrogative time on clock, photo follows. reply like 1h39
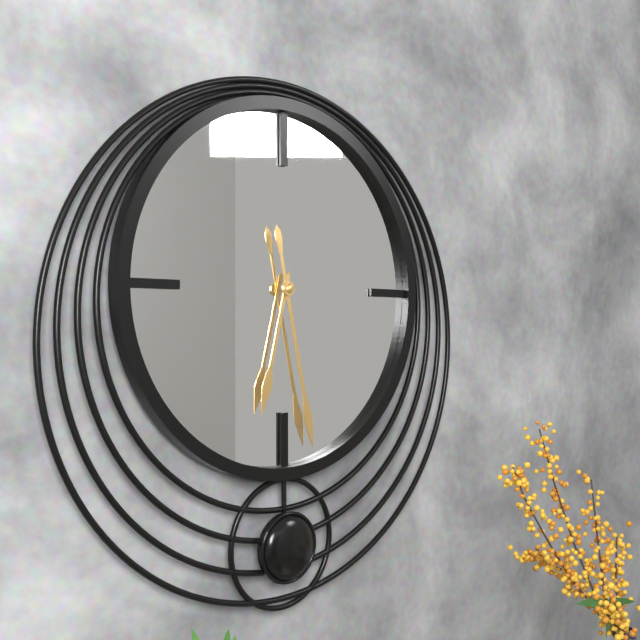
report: 6h28
